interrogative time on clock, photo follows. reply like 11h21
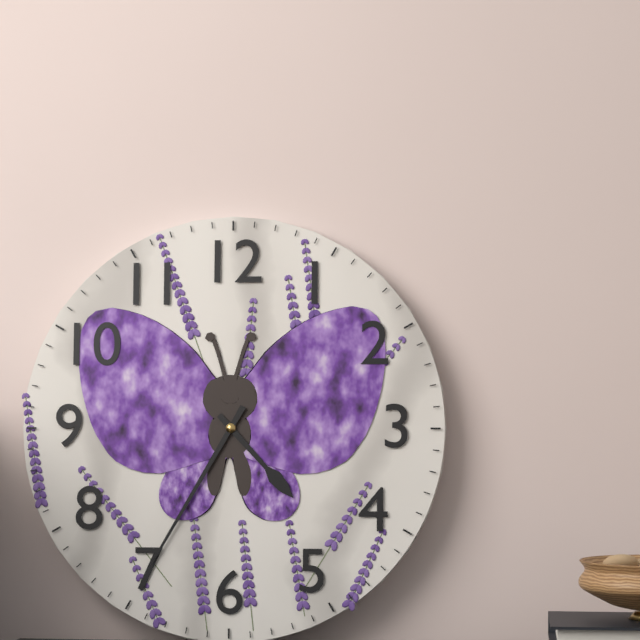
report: 4h35
